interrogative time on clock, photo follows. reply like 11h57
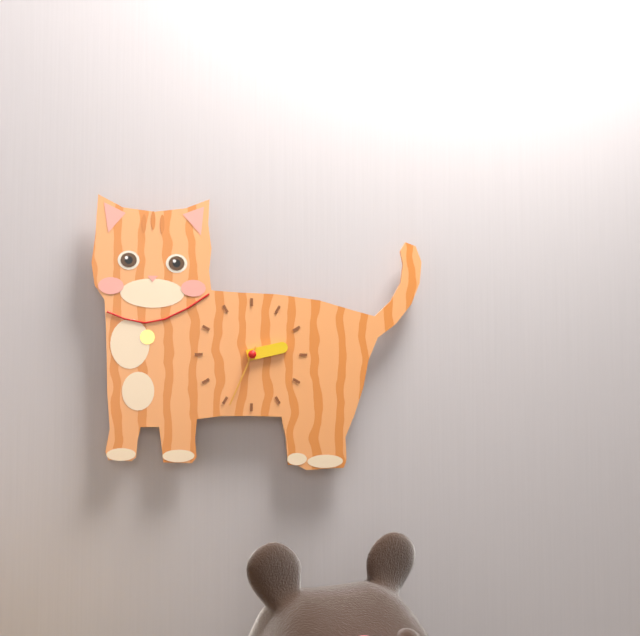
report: 2h34
